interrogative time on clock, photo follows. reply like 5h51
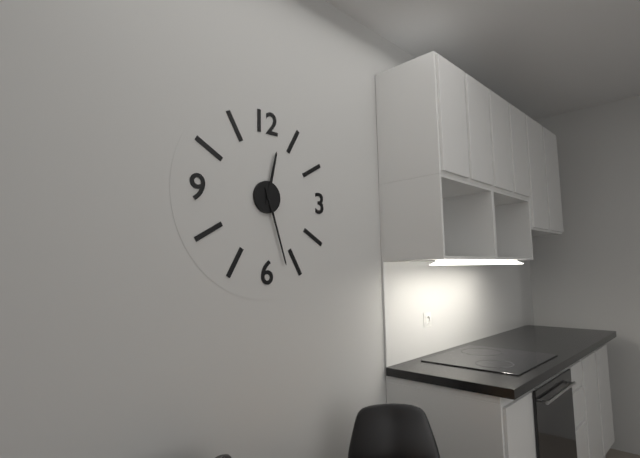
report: 12h27
